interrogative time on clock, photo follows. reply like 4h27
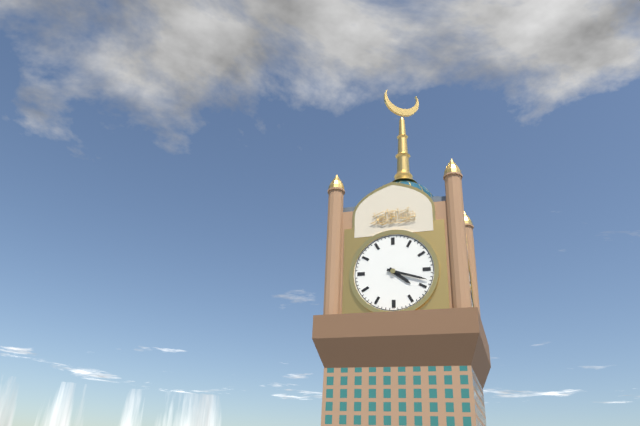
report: 4h18
